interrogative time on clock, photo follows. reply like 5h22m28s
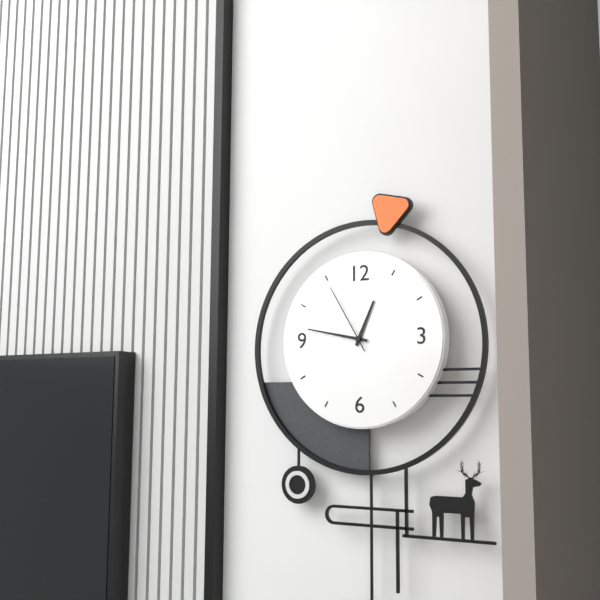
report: 12h47m55s
